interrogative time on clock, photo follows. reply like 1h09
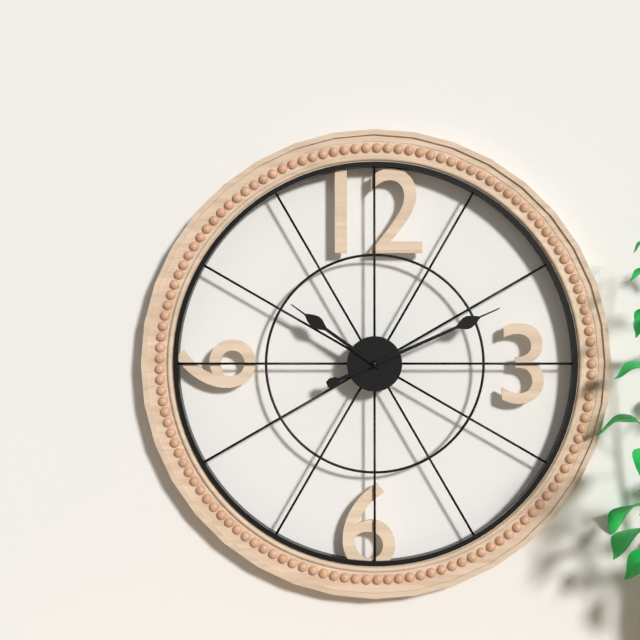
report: 10h11
